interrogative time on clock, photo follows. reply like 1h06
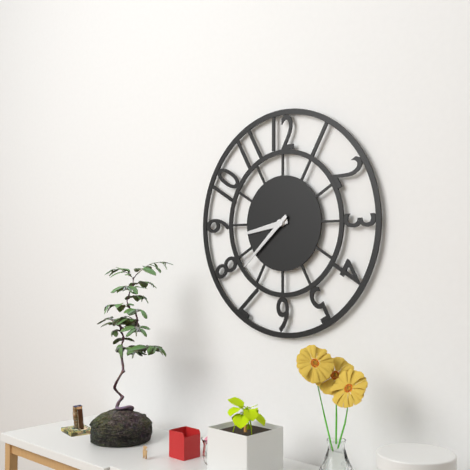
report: 8h38
